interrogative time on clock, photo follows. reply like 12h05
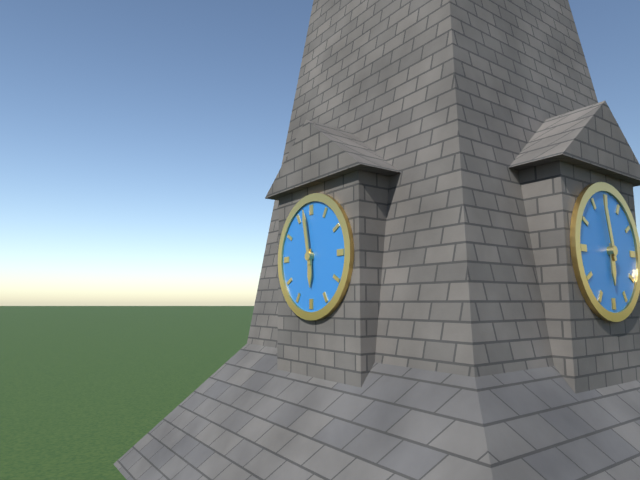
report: 5h58
